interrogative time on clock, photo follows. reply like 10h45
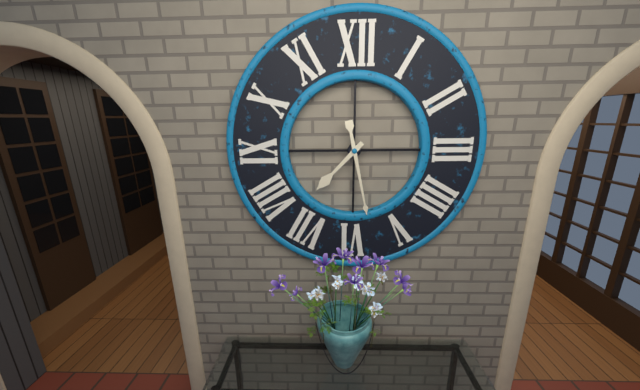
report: 7h28
